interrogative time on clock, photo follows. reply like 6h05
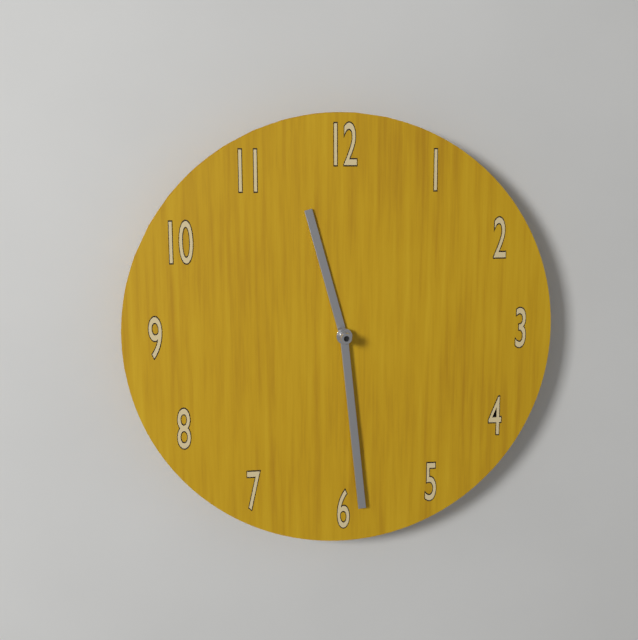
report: 11h29
